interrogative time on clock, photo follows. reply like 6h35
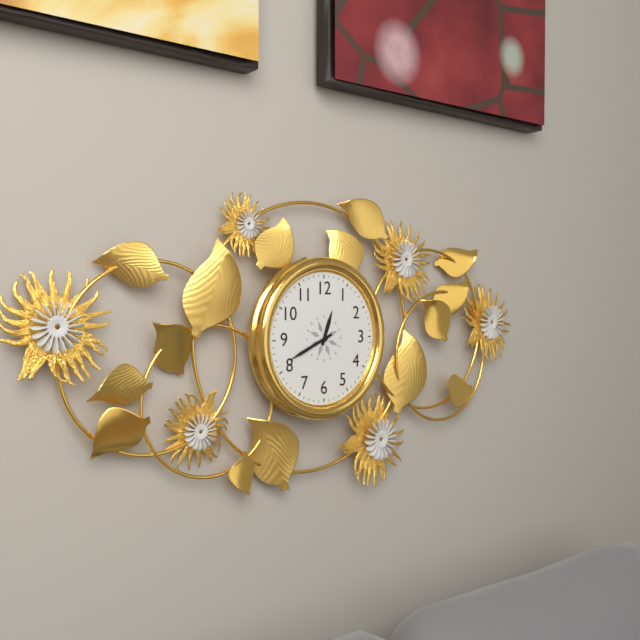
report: 12h41
